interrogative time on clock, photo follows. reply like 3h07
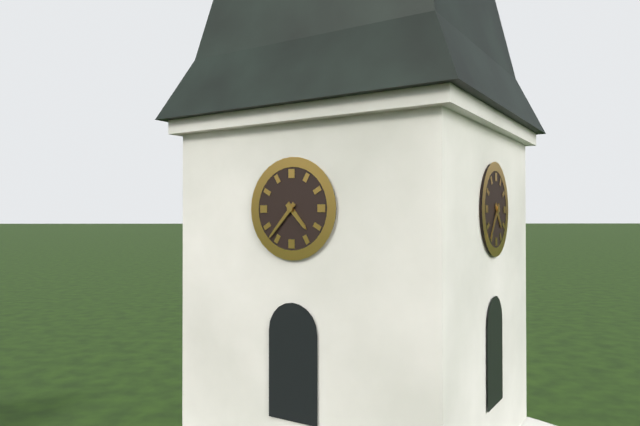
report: 4h37
